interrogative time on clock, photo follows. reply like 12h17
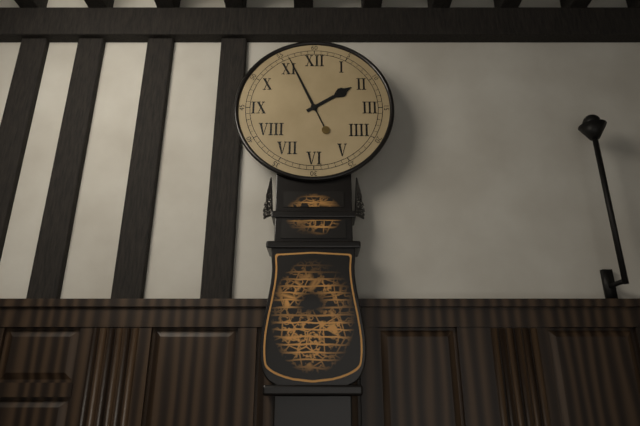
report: 1h56
